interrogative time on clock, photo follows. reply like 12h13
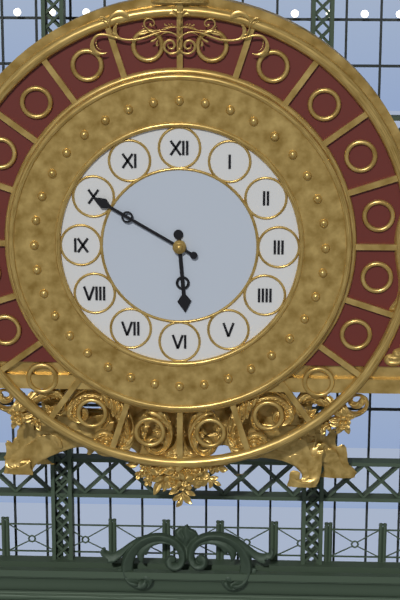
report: 5h50
